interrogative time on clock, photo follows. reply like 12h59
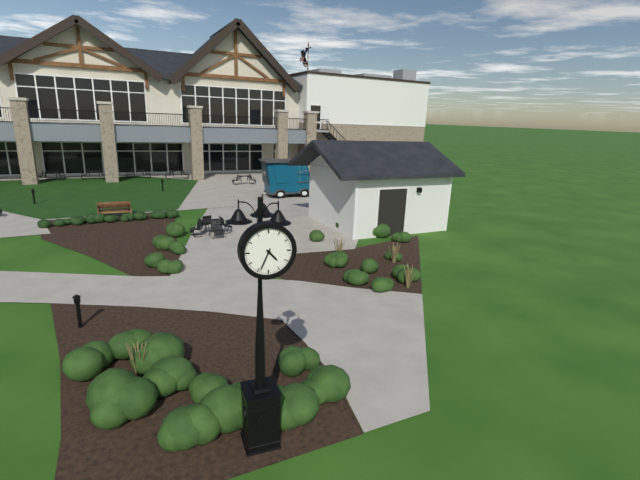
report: 4h34
